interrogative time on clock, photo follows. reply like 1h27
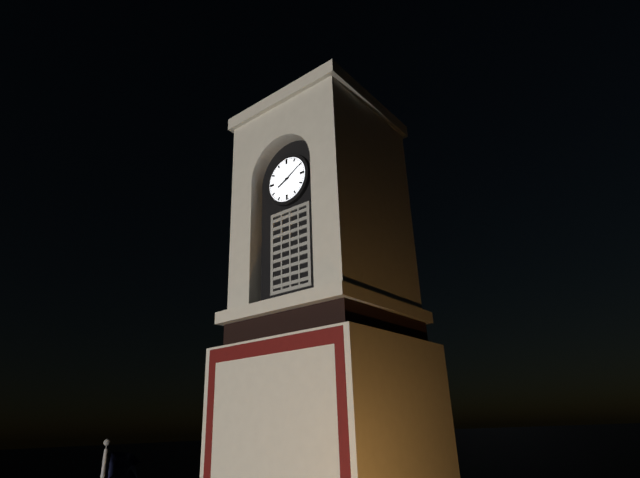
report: 8h10
